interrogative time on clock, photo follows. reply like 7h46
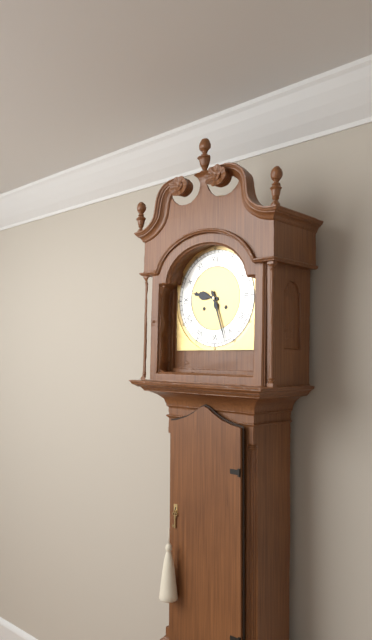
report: 9h27
